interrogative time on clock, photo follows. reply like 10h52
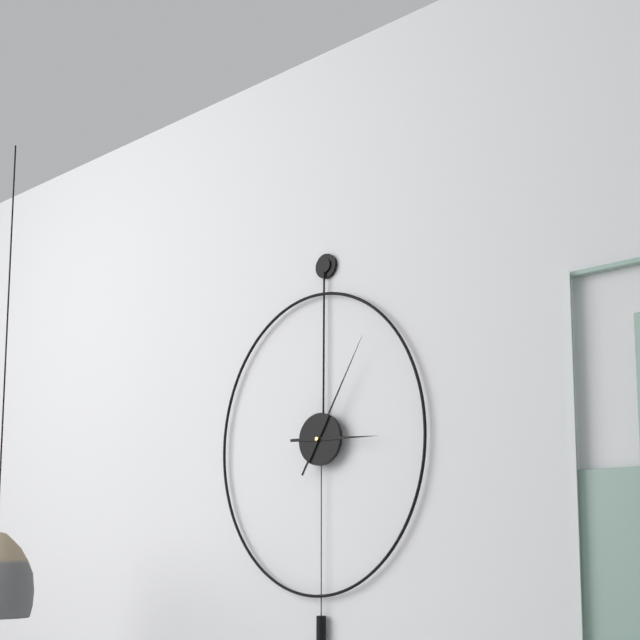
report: 3h05
